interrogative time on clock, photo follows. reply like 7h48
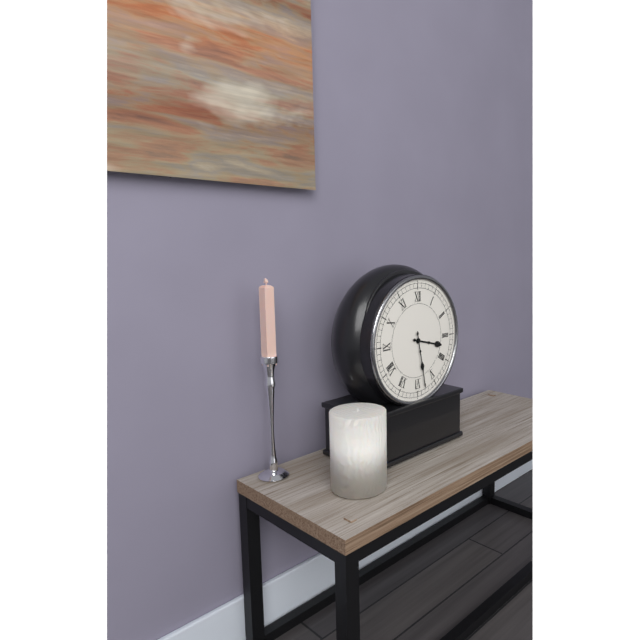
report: 3h28
